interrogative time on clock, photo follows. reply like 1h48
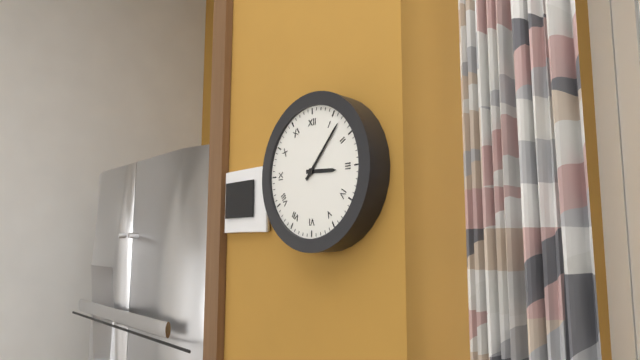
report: 3h07
